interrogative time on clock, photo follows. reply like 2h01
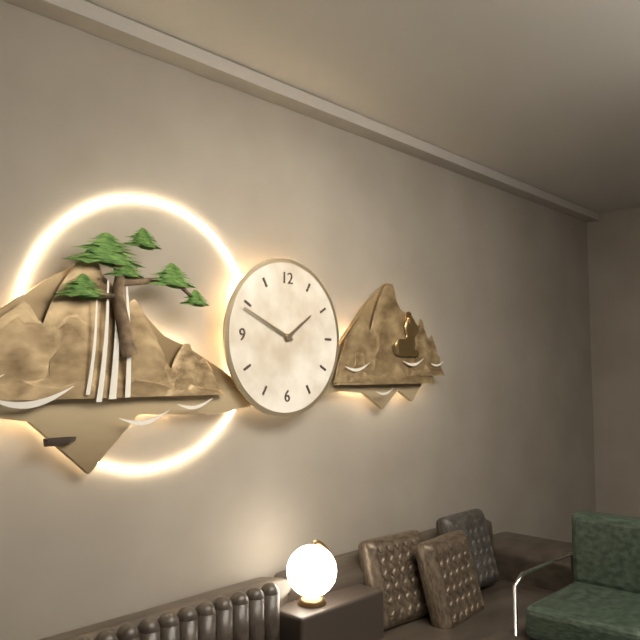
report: 1h49
